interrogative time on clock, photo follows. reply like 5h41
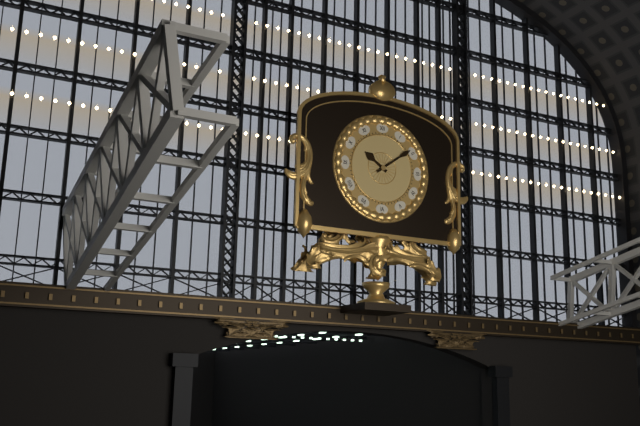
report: 10h09
